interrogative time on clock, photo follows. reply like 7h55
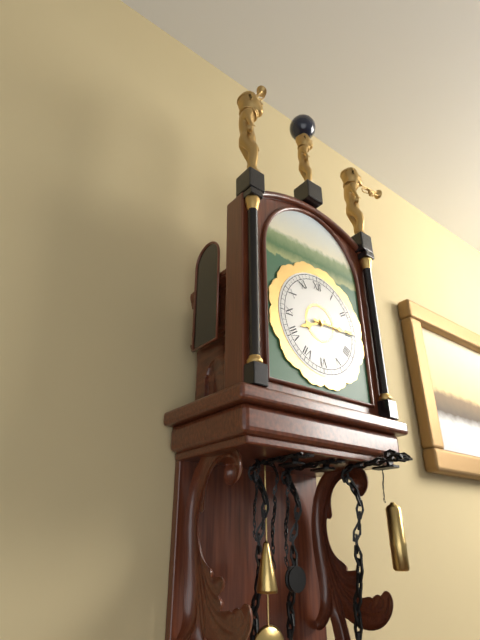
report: 8h15
